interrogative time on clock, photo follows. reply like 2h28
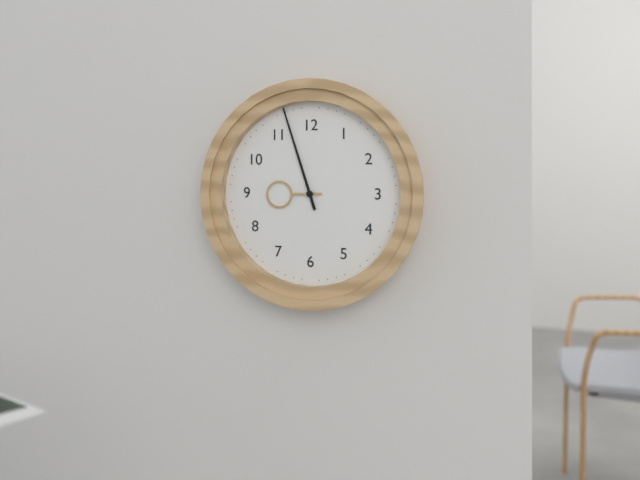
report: 8h57
